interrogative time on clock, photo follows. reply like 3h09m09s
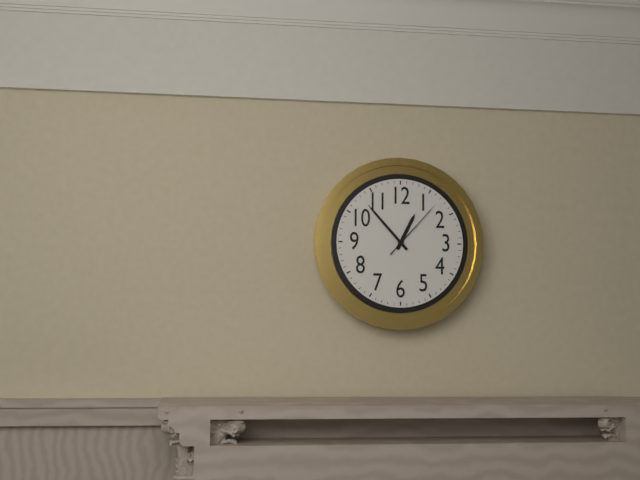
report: 12h53m07s
